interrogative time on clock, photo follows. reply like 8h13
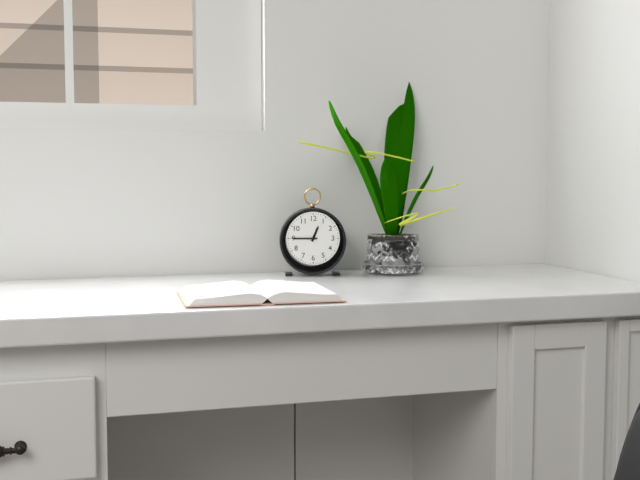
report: 12h45
